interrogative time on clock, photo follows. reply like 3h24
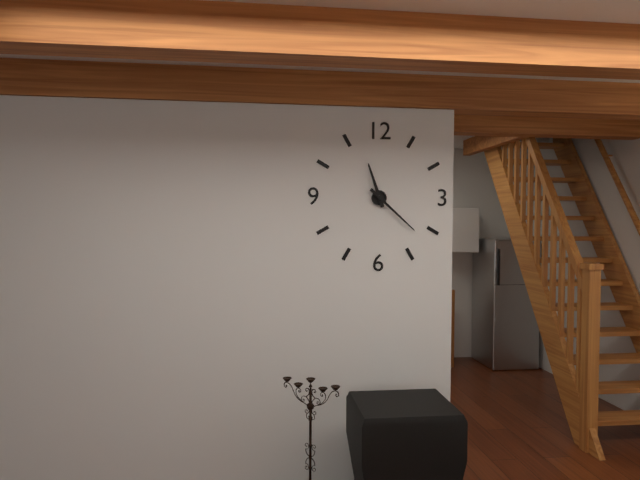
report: 11h22
